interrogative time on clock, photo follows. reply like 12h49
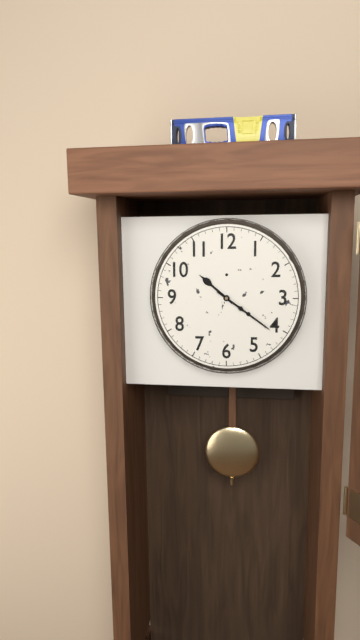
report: 10h21
